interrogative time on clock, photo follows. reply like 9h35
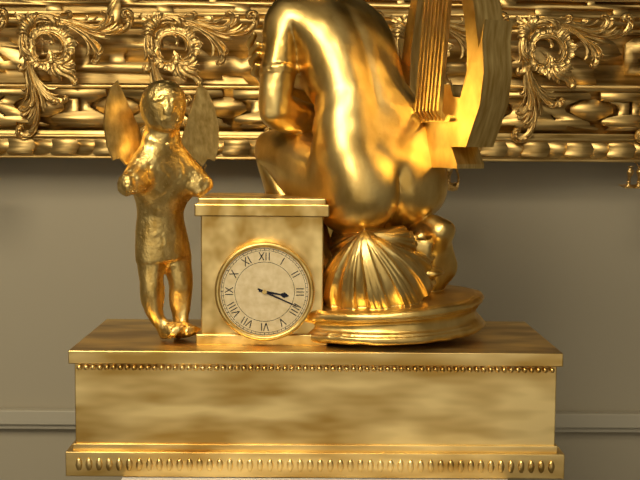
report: 3h19
